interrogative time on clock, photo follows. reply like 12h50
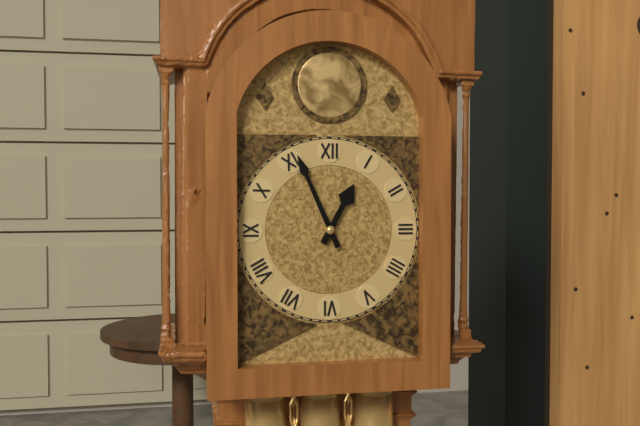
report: 12h56
